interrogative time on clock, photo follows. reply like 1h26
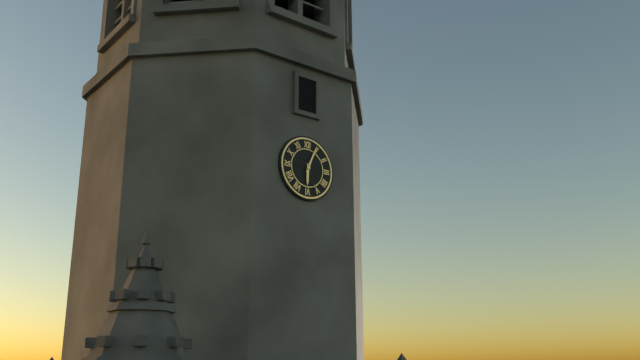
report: 6h04
